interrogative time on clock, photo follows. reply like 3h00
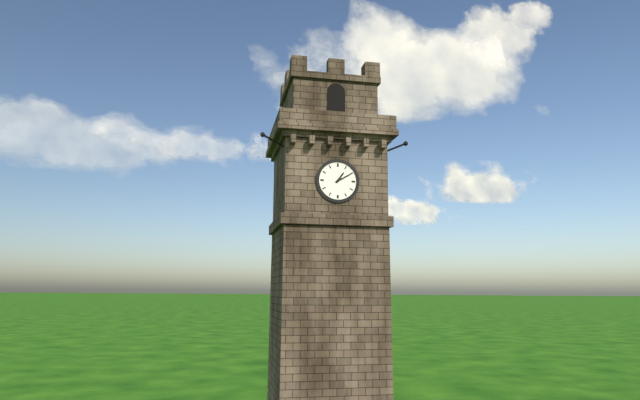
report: 1h10
